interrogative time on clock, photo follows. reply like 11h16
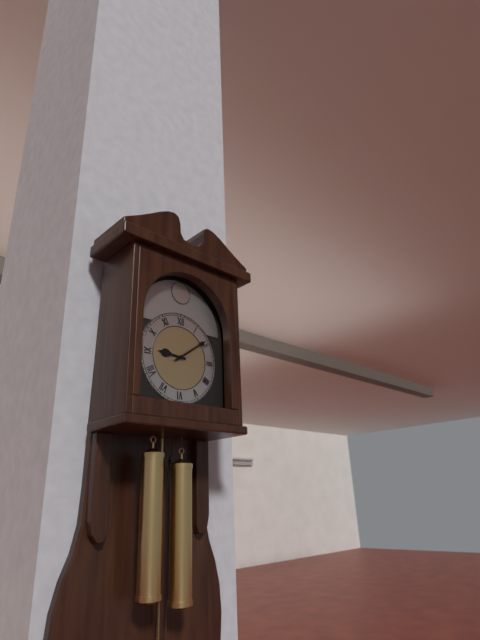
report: 9h09
